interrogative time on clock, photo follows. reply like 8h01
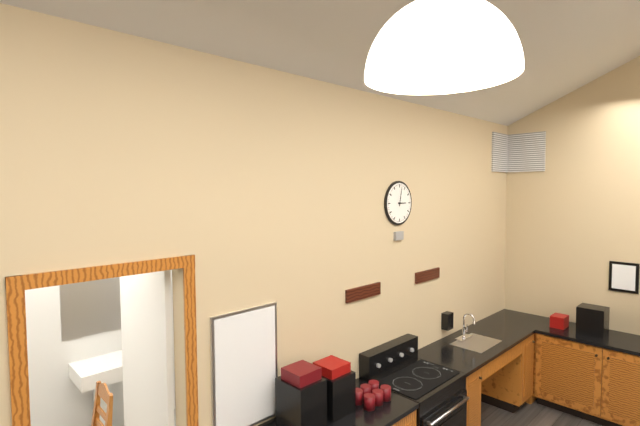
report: 3h02
